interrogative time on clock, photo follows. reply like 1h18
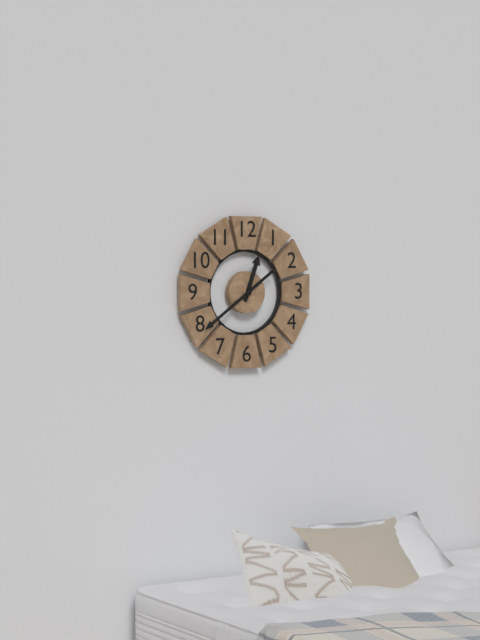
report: 12h39
